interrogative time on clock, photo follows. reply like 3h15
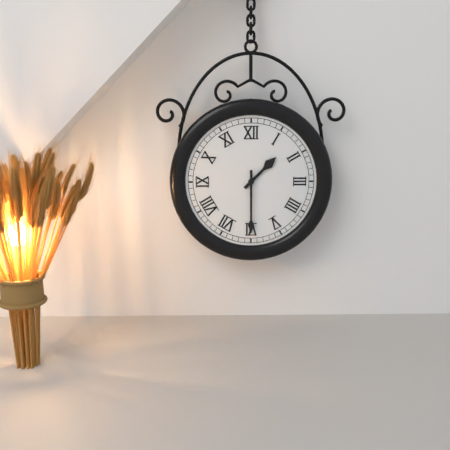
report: 1h30
